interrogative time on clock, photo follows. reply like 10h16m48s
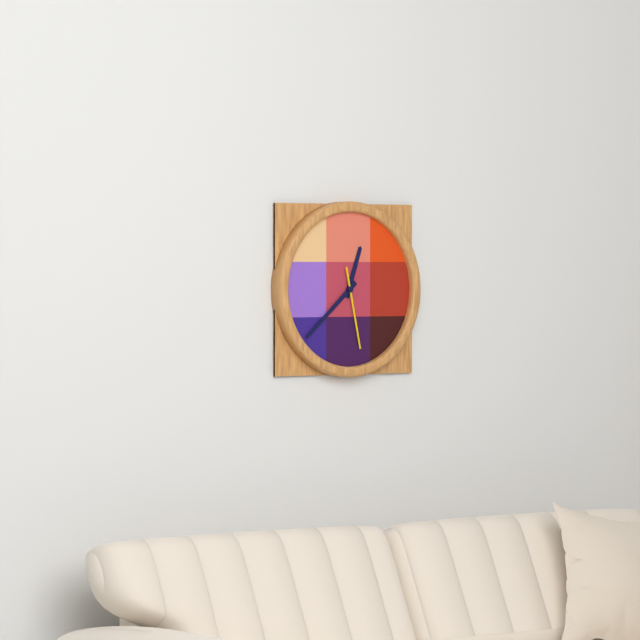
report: 12h38m28s
